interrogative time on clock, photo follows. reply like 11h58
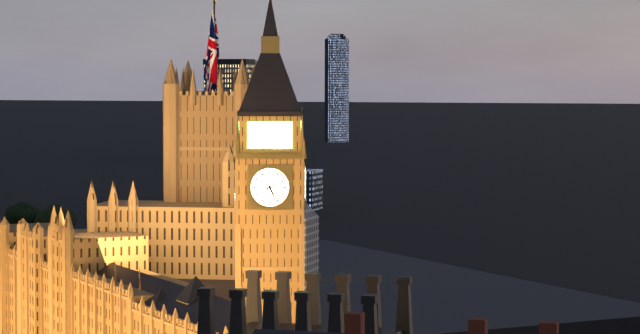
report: 5h11
